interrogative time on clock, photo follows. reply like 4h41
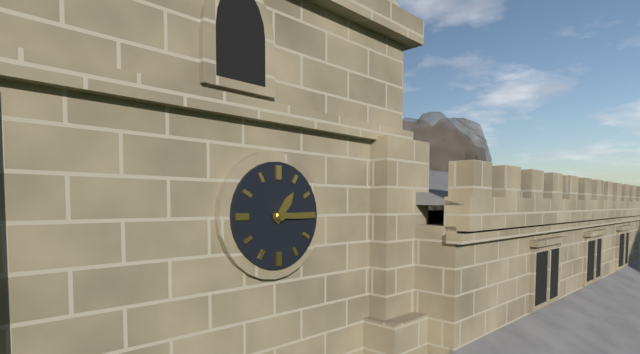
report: 1h15
